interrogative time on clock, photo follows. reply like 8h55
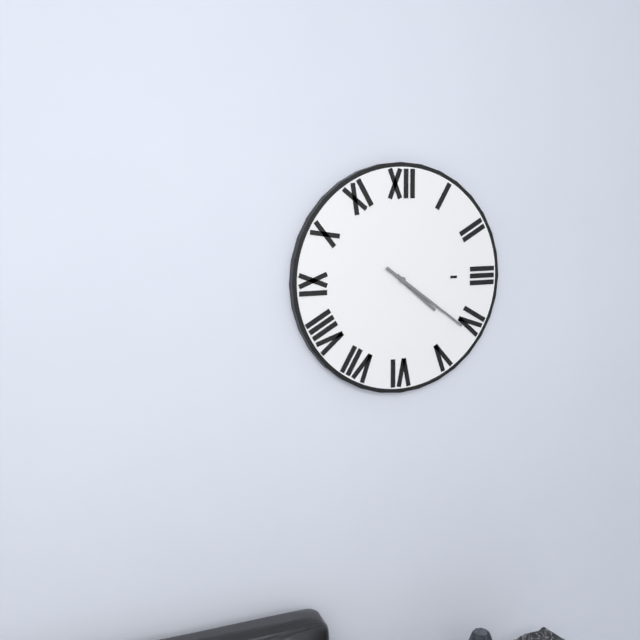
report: 4h21
